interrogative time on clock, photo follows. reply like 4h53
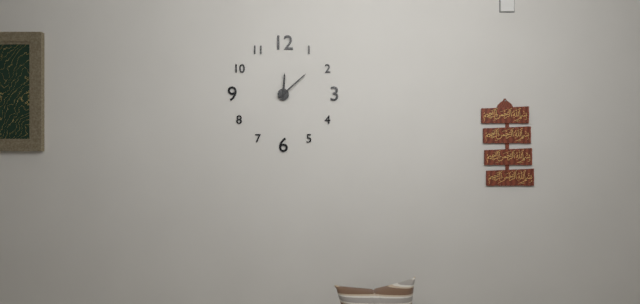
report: 12h08
